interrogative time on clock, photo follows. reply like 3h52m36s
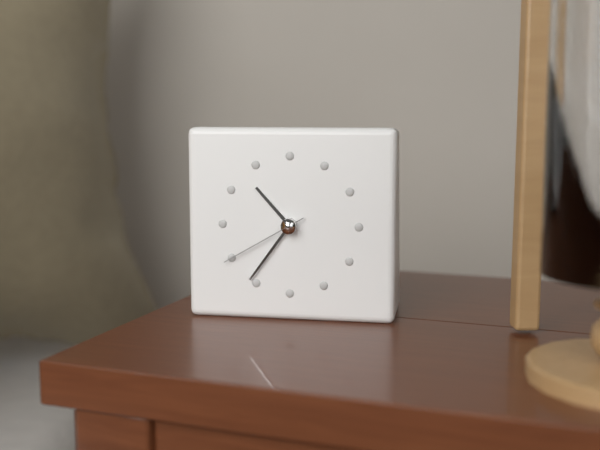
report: 10h36m40s
